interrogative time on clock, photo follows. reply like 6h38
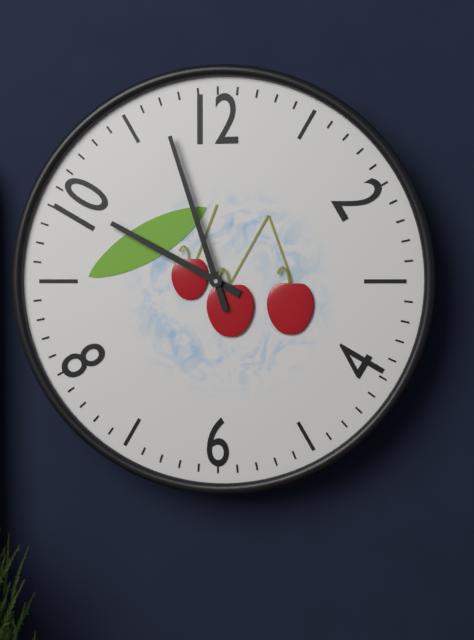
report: 9h57
